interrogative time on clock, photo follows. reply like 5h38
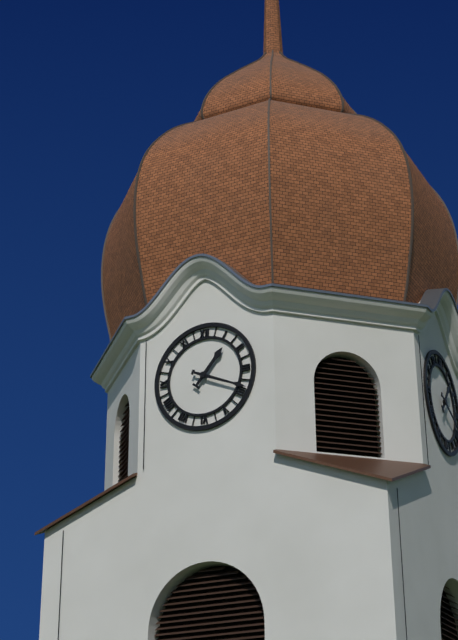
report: 1h19
